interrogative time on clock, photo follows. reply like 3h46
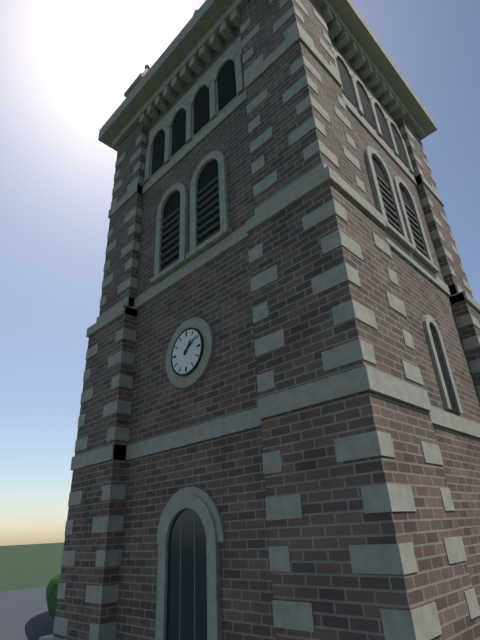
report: 1h09
